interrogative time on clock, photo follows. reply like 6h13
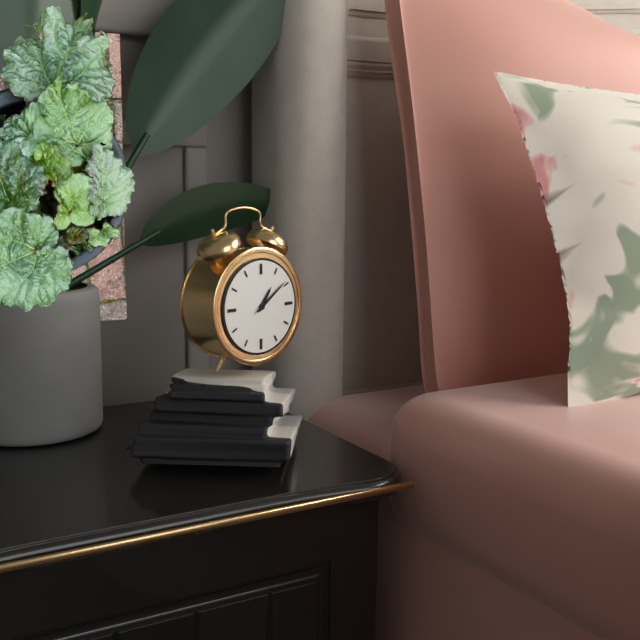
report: 1h09
